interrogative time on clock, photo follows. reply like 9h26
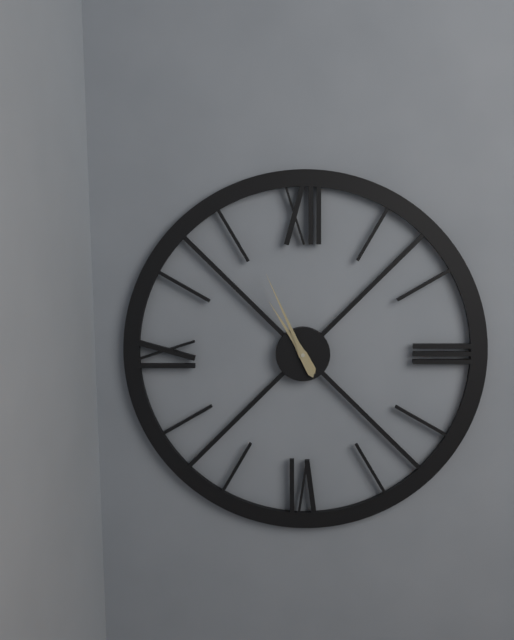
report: 10h56
